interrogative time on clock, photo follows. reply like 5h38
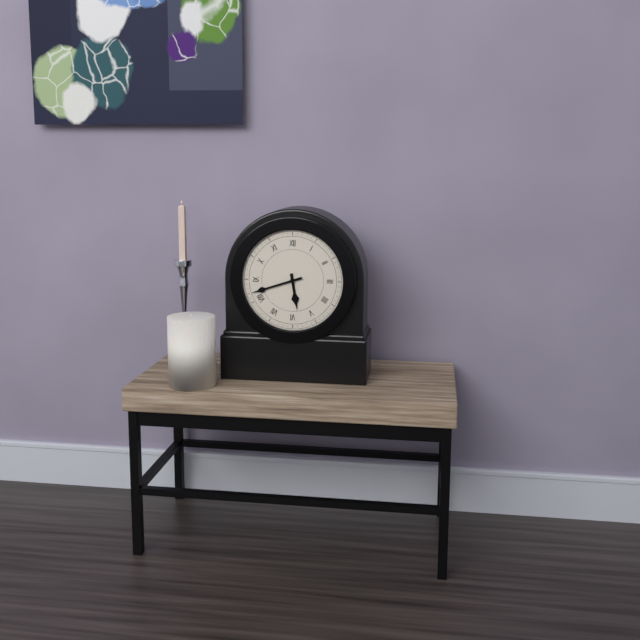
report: 5h42
